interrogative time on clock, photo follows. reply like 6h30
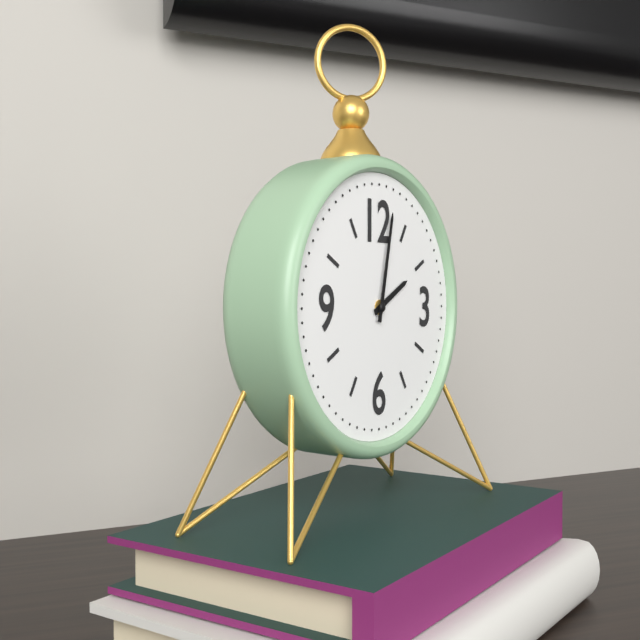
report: 2h02
